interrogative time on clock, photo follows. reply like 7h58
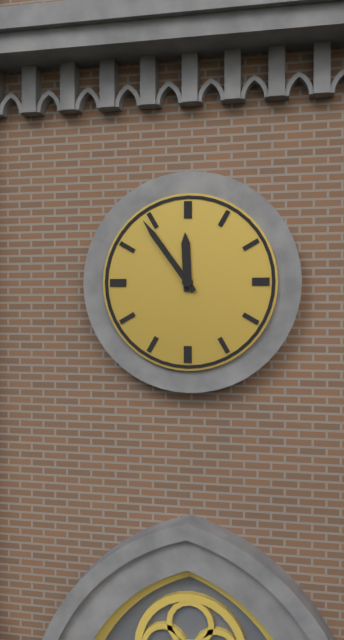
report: 11h54
